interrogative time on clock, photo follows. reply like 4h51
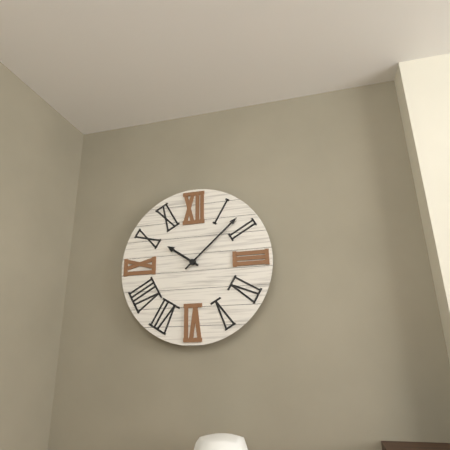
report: 10h08
